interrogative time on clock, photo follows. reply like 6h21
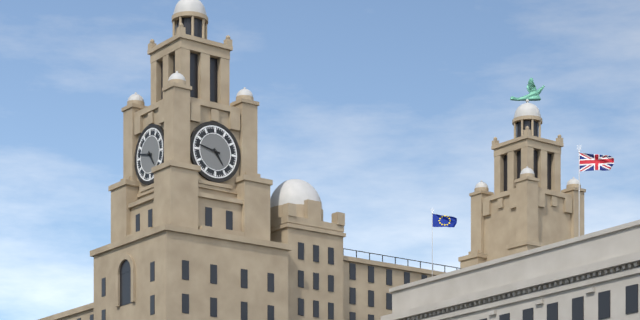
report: 4h47
